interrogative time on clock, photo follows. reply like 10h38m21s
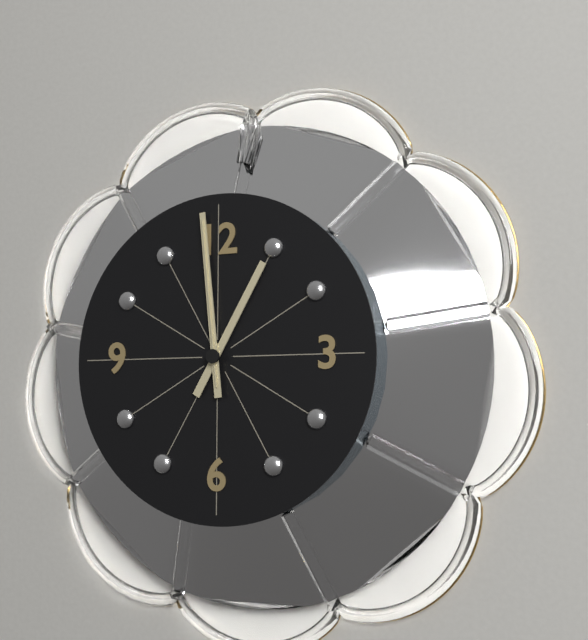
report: 12h59m59s
